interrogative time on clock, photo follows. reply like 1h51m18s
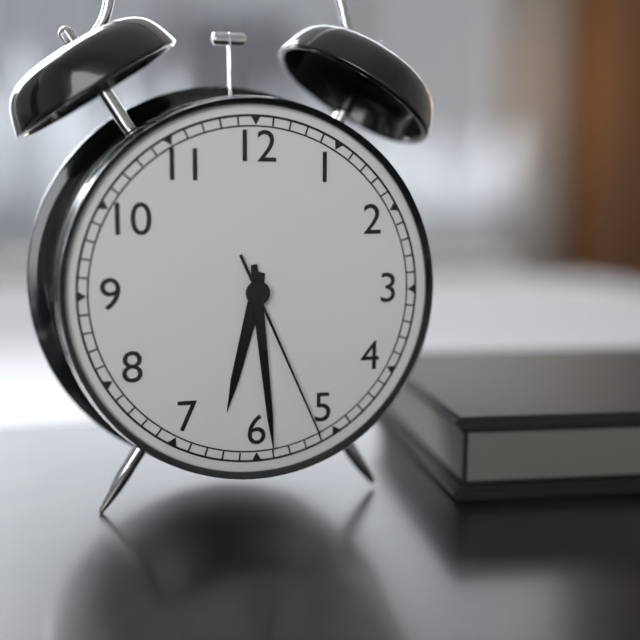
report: 6h29m26s
